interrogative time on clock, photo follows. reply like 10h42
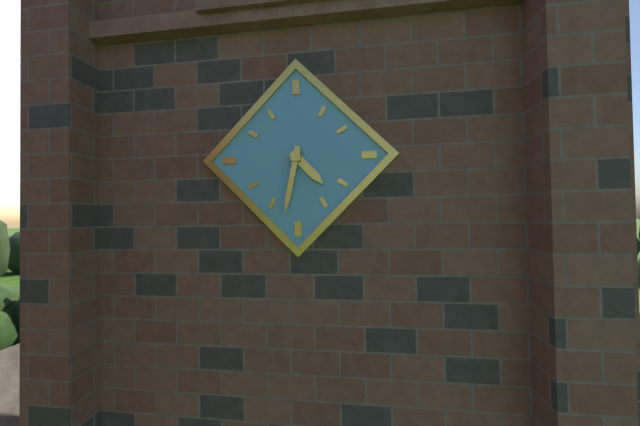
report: 4h32
